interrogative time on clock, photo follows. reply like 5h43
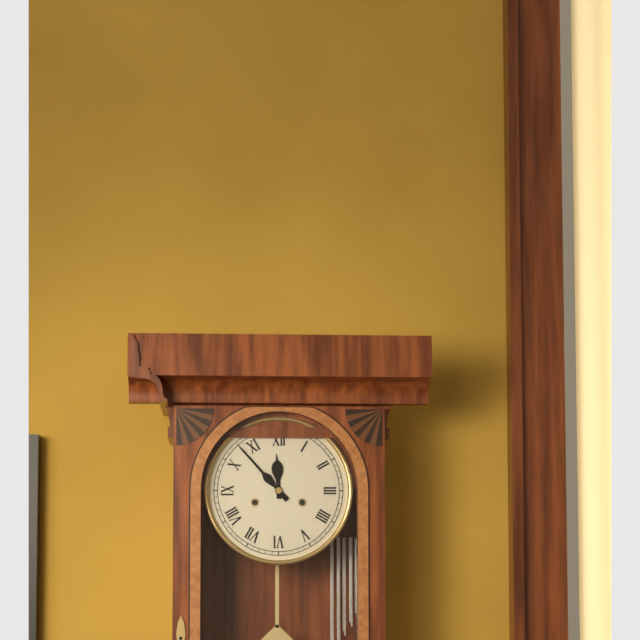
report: 11h53
